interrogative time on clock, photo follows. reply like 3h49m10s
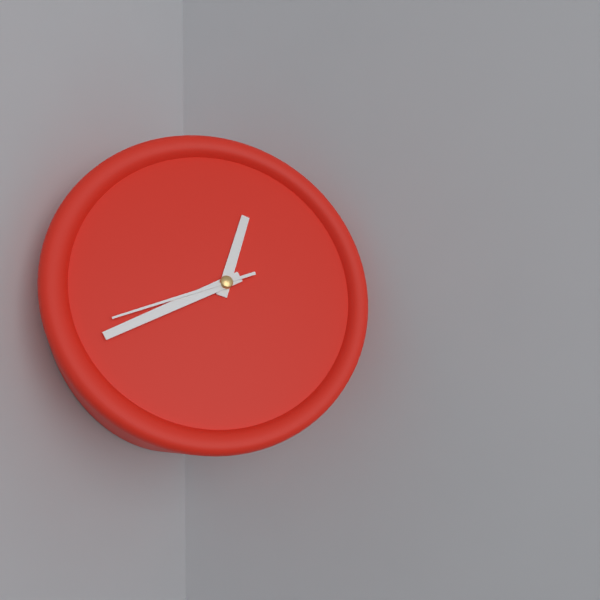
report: 12h41m42s
